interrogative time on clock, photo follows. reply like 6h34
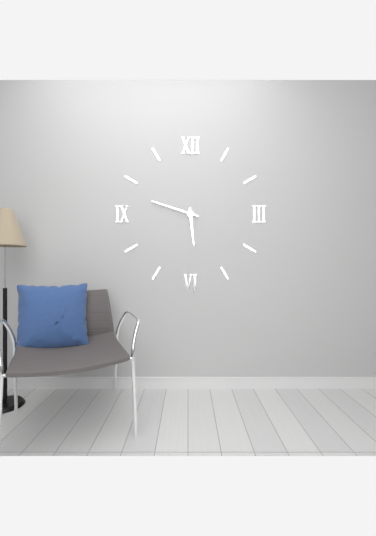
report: 5h48
